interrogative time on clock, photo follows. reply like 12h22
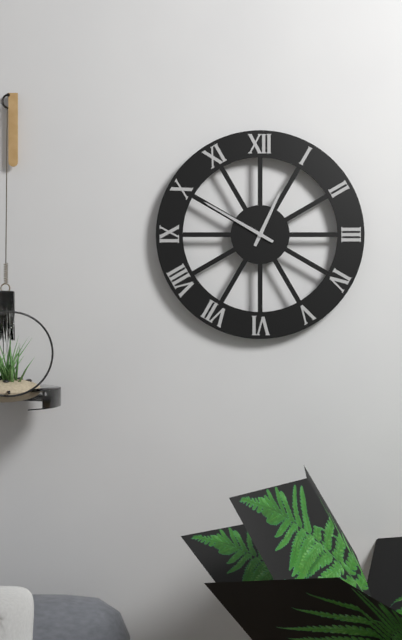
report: 12h50
